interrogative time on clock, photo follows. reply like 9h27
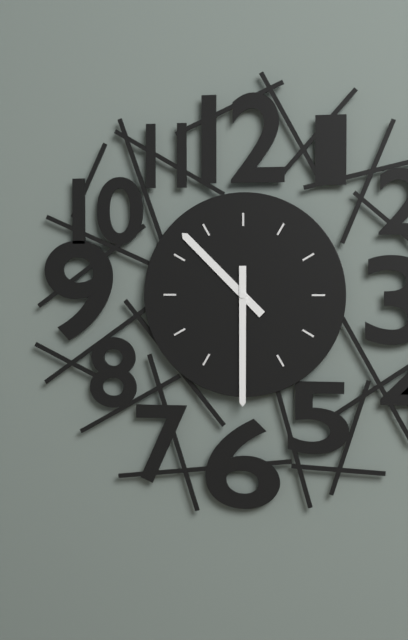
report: 10h30
